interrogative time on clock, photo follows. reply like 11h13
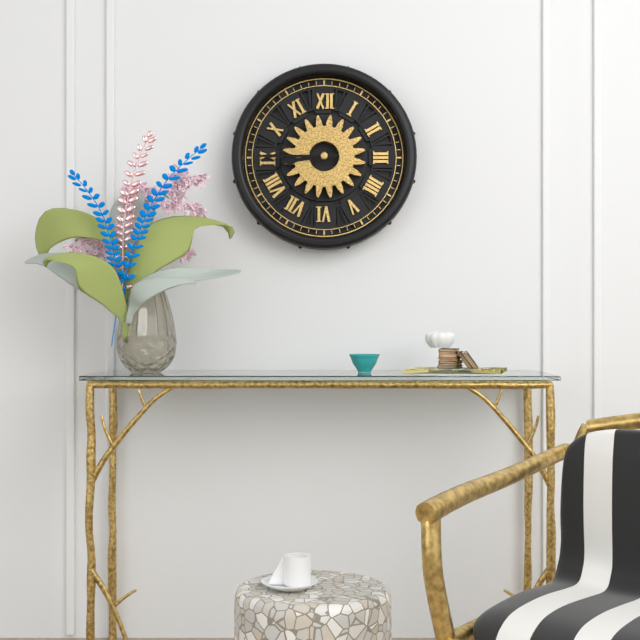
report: 8h45
